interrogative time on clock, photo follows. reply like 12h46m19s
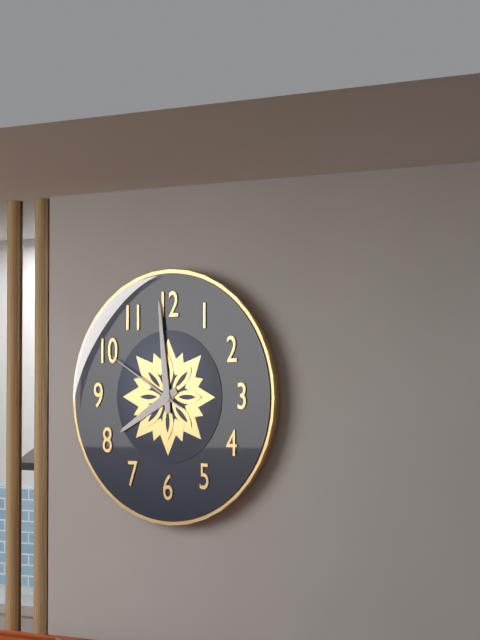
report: 7h59m50s
